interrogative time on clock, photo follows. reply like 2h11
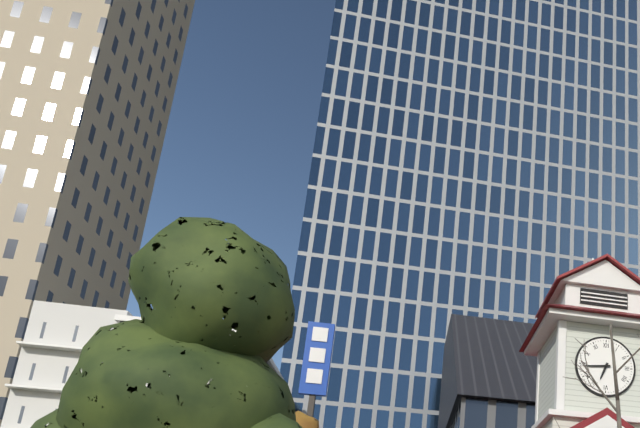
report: 6h44
